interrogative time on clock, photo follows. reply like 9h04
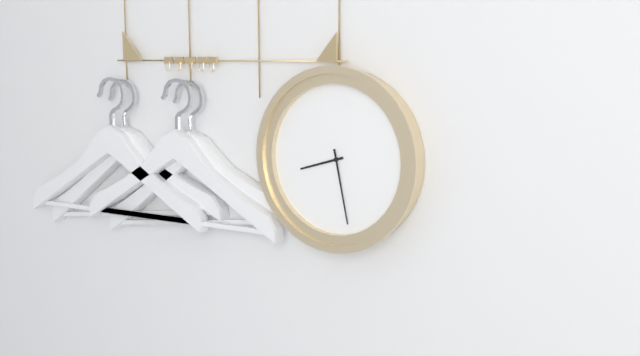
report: 8h28
